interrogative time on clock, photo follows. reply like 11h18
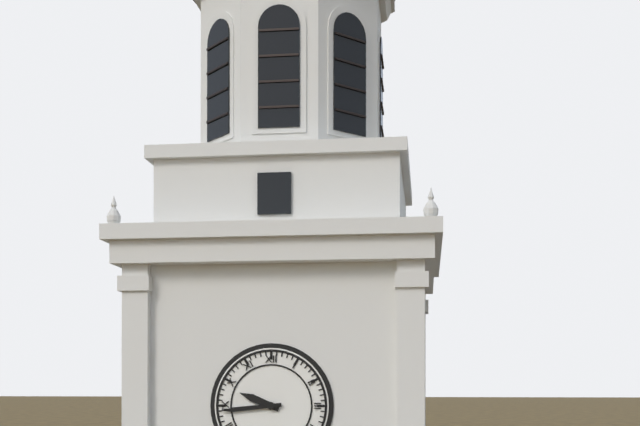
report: 9h44
